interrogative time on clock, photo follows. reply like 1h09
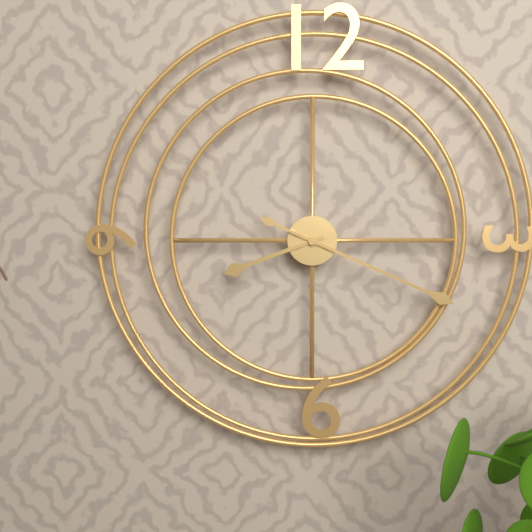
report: 8h19
